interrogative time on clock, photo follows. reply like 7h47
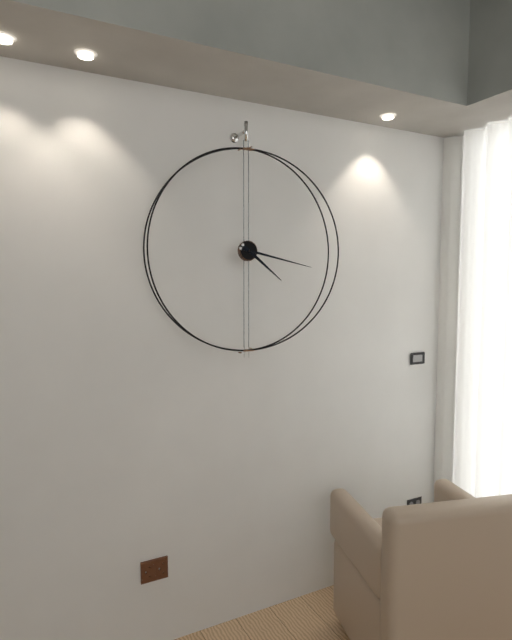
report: 4h17
